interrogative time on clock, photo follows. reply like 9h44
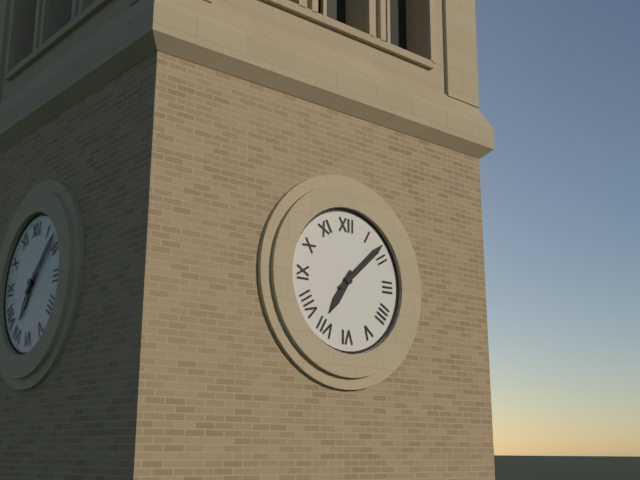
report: 7h08
